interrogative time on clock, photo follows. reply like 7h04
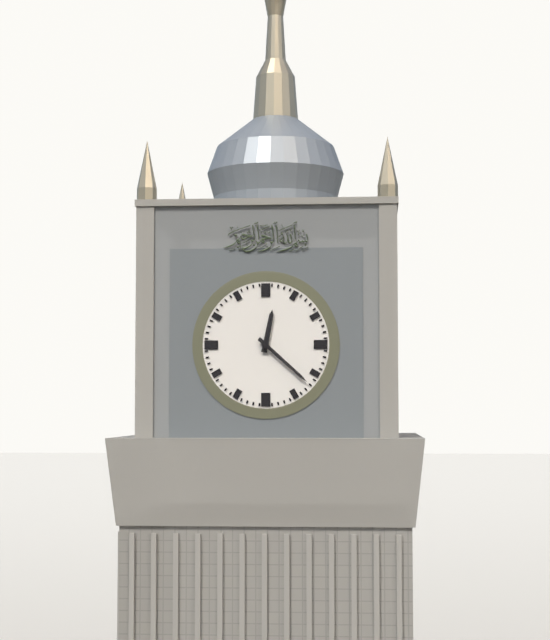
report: 12h22
